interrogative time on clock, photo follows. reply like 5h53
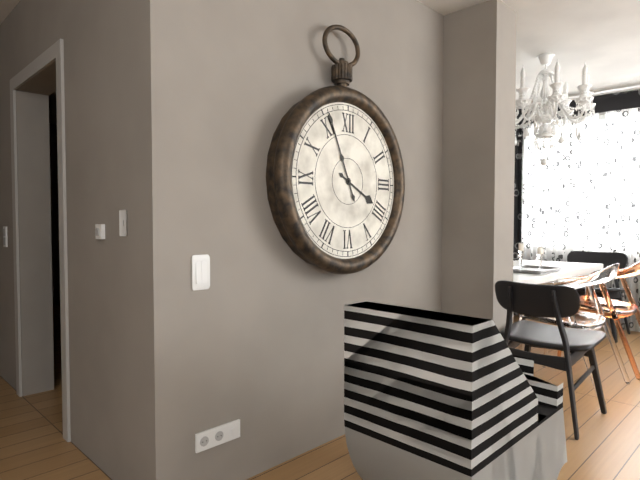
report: 3h56
